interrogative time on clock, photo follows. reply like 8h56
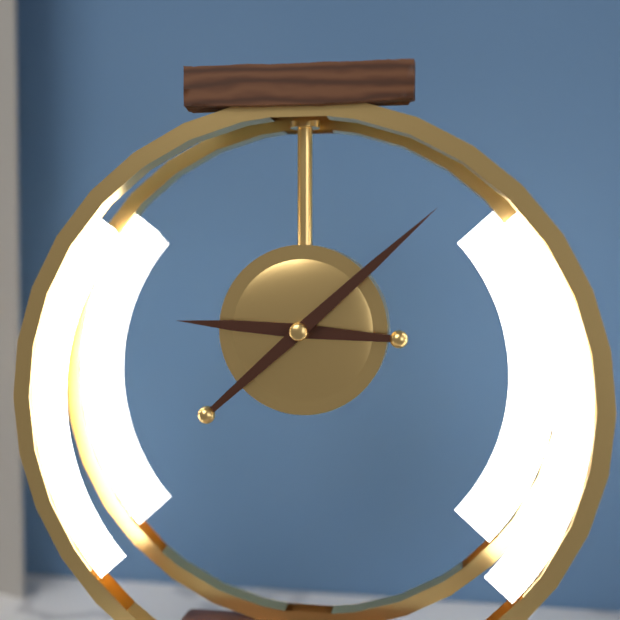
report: 9h08
